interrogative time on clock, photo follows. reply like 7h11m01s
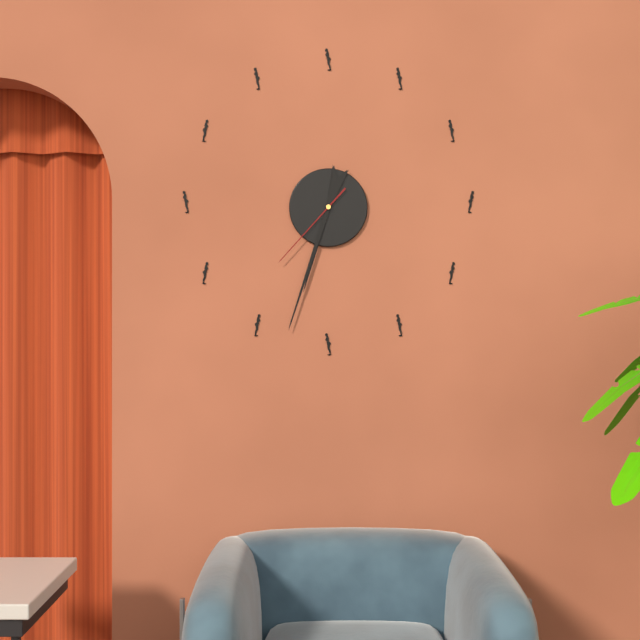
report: 6h33m37s
